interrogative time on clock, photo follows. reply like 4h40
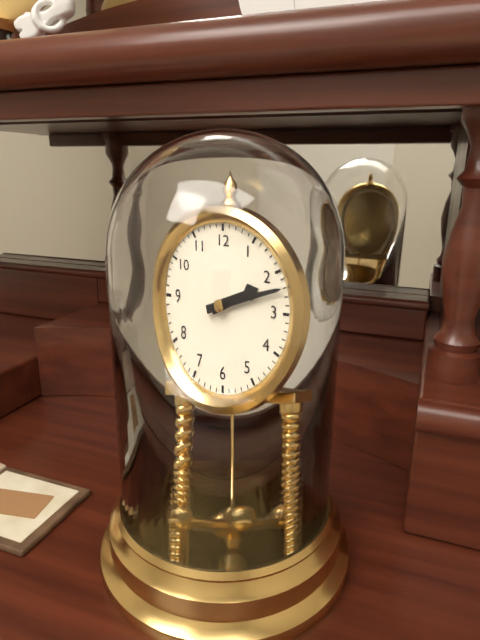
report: 2h12
